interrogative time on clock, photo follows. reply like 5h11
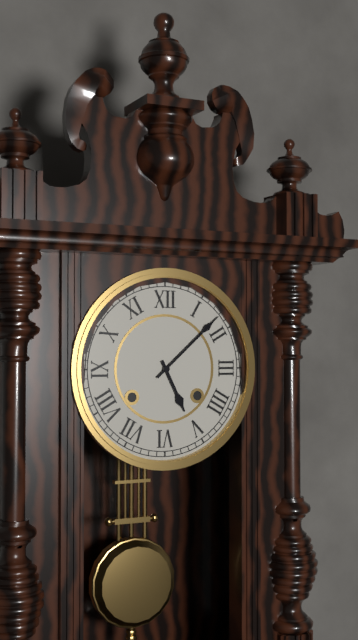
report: 5h08
